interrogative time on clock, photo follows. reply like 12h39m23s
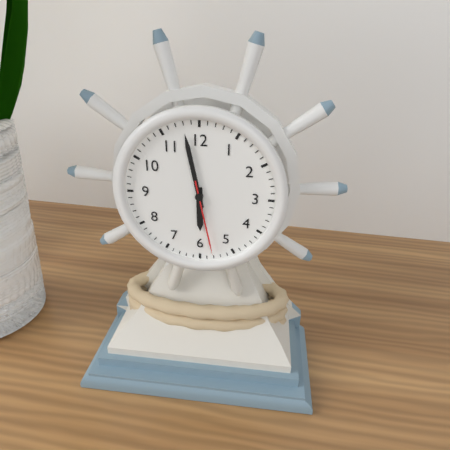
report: 5h58m28s
